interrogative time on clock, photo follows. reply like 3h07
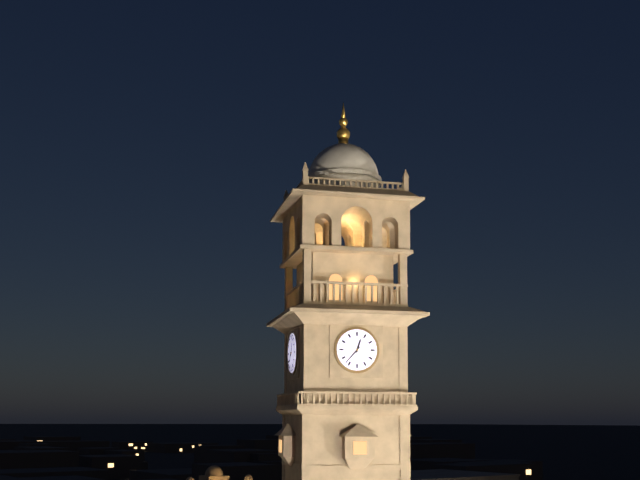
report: 12h37
